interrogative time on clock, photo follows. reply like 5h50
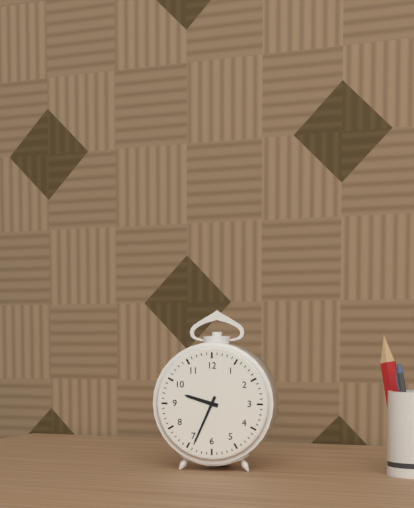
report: 9h34
